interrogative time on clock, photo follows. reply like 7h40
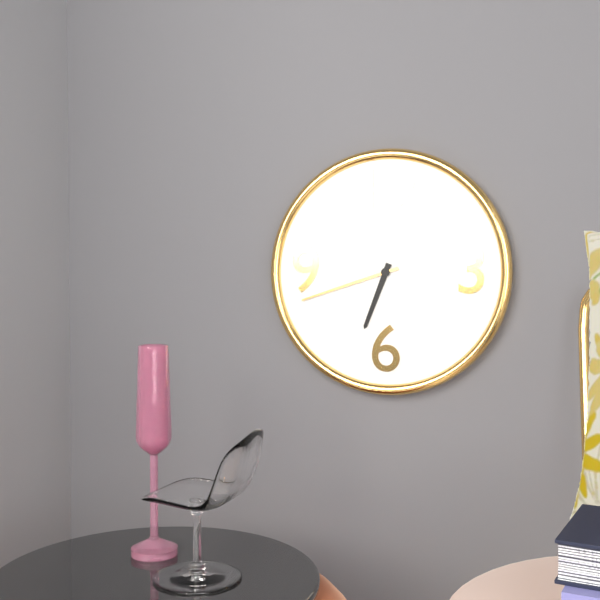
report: 6h42
